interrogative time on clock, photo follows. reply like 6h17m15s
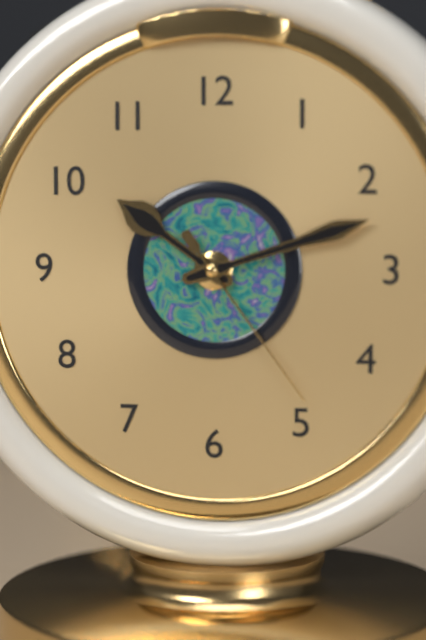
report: 10h12m24s
